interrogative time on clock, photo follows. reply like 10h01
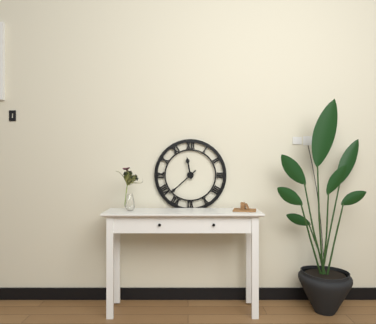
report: 11h38
